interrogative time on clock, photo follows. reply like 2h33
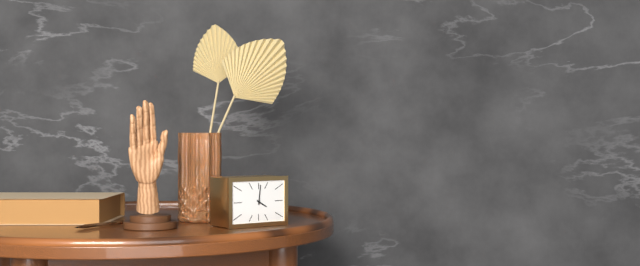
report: 4h01
